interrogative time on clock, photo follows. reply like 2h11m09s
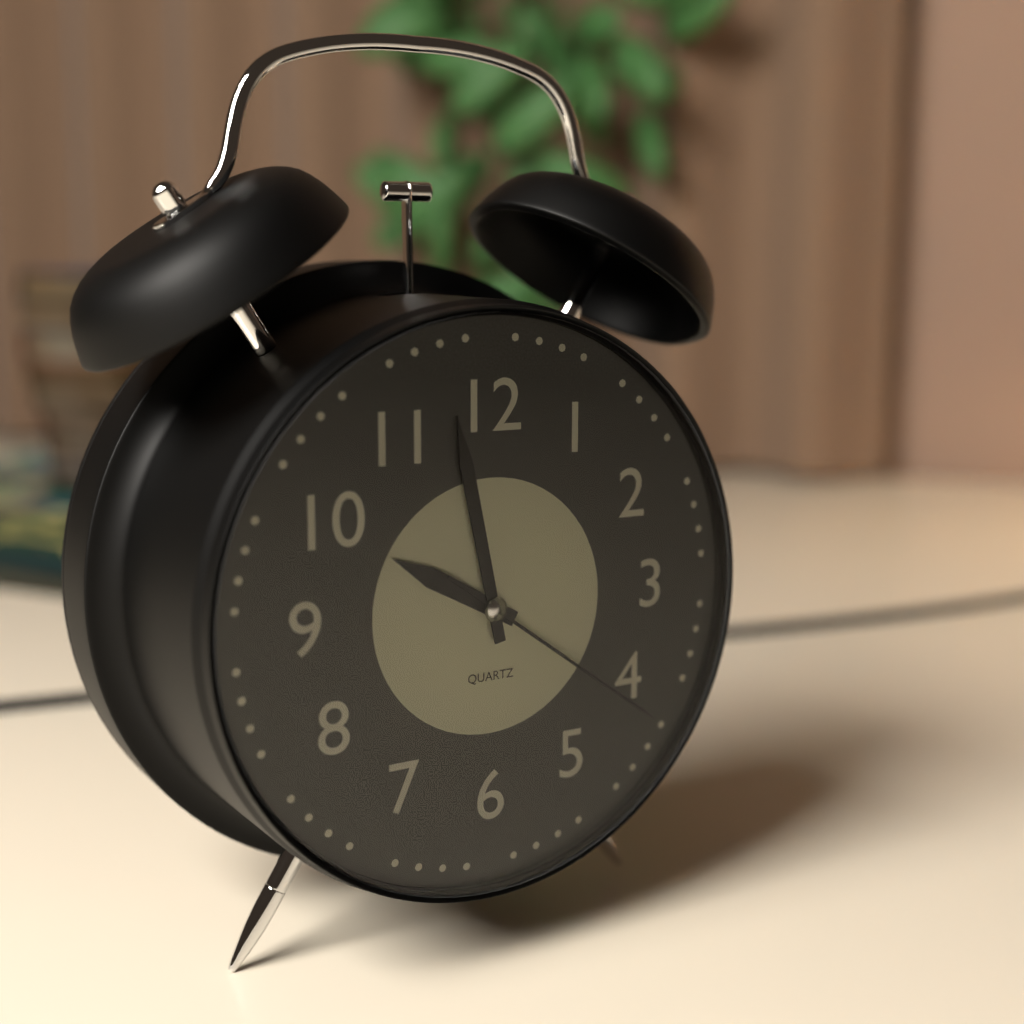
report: 9h58m21s
